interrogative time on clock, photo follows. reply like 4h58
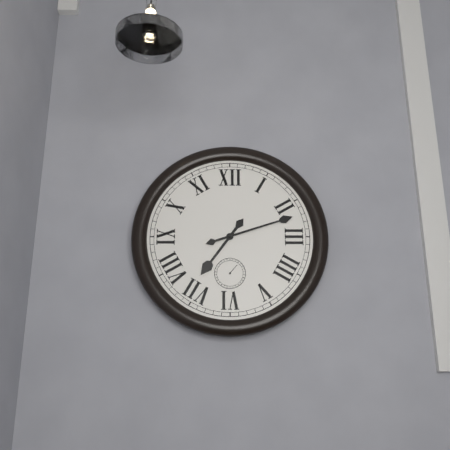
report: 7h12
